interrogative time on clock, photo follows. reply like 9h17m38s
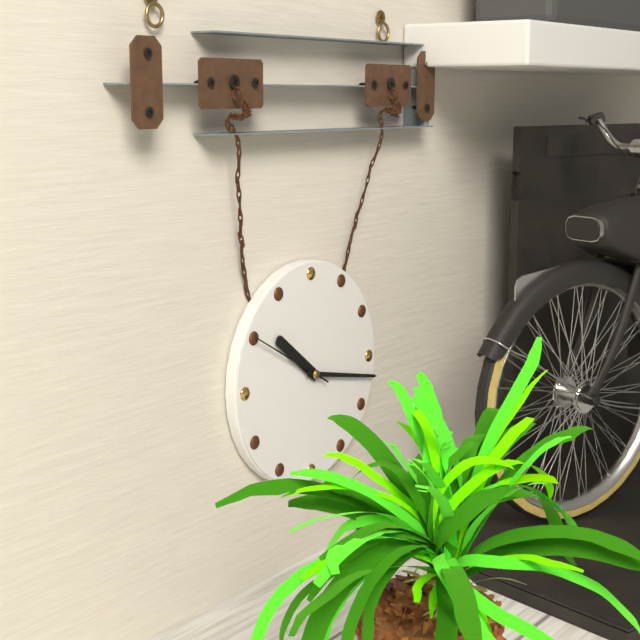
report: 10h17m50s
